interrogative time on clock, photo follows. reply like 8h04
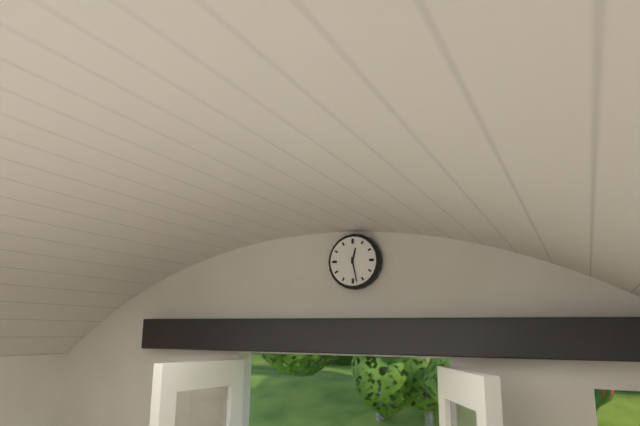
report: 12h28
